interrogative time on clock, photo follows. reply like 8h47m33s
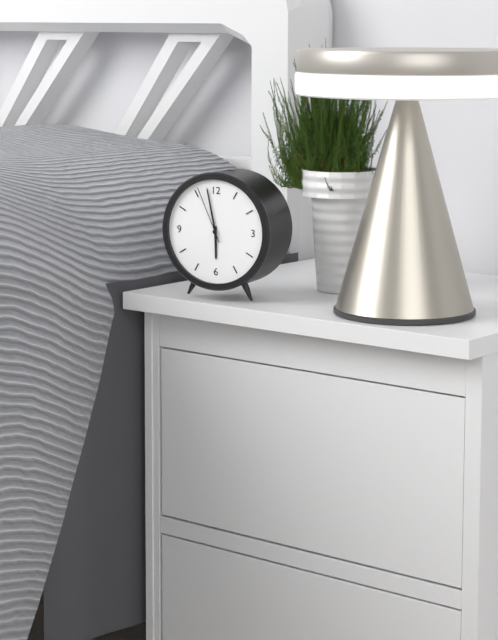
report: 5h58m56s
